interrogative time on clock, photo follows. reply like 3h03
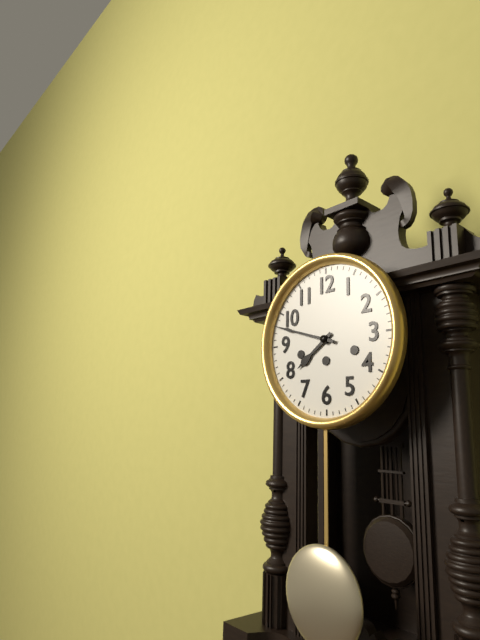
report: 7h48
